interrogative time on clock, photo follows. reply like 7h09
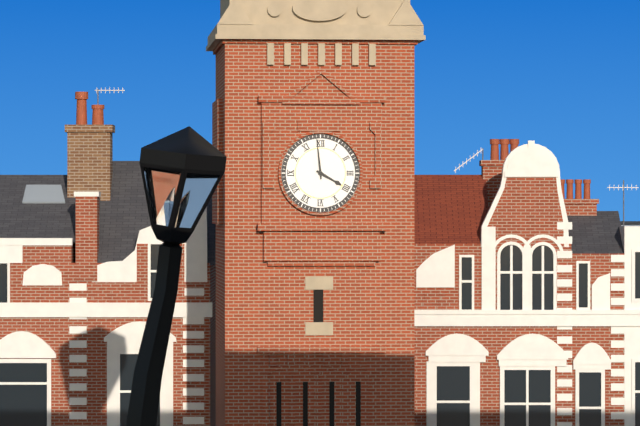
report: 3h59
